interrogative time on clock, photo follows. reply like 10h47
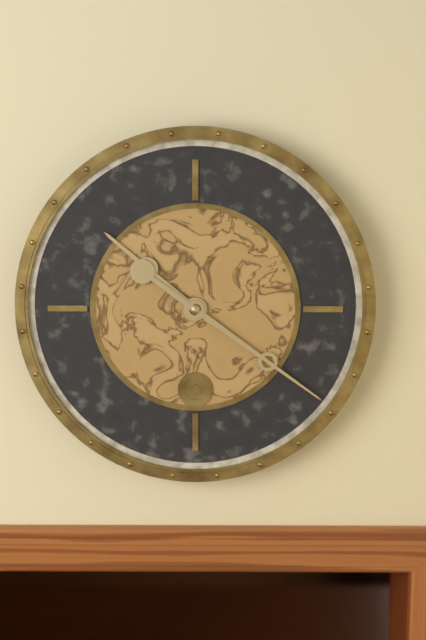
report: 10h21
